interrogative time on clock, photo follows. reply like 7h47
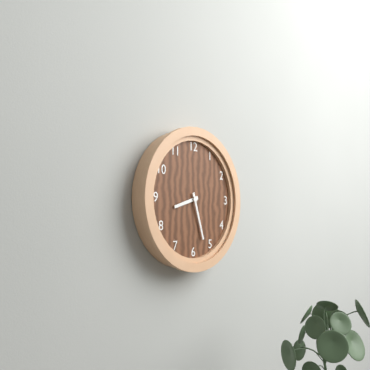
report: 8h27
